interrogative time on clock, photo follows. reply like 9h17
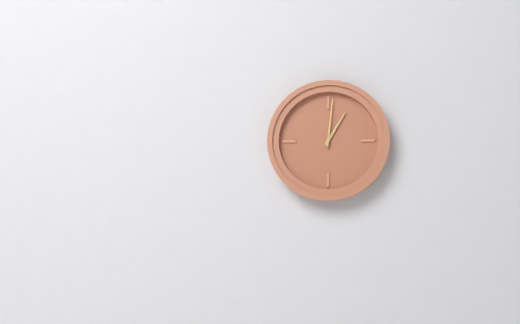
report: 1h01
